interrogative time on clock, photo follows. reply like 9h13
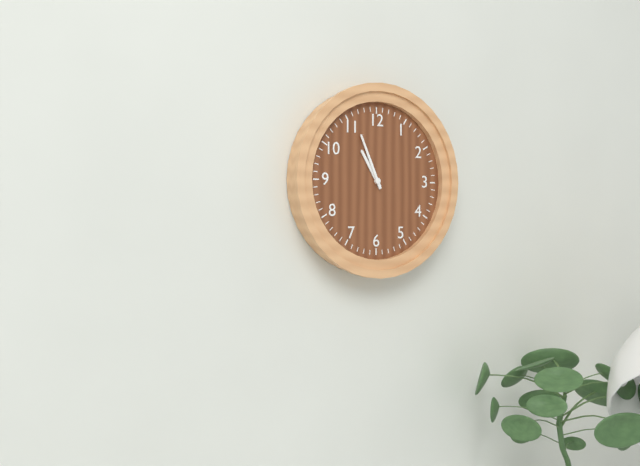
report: 10h56
